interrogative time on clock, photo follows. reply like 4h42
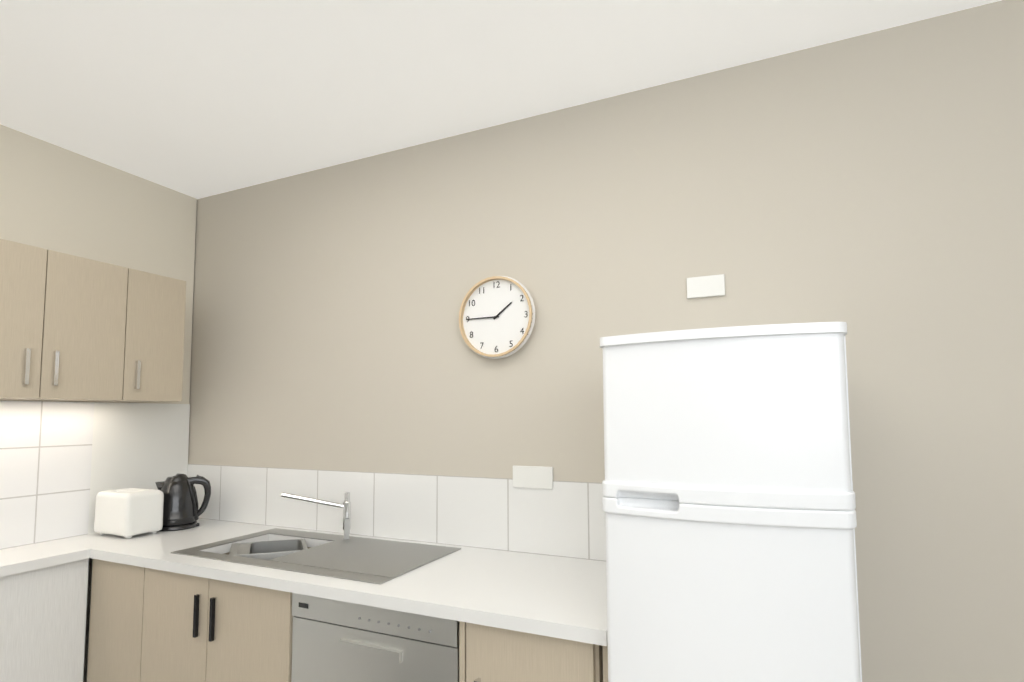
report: 1h45
